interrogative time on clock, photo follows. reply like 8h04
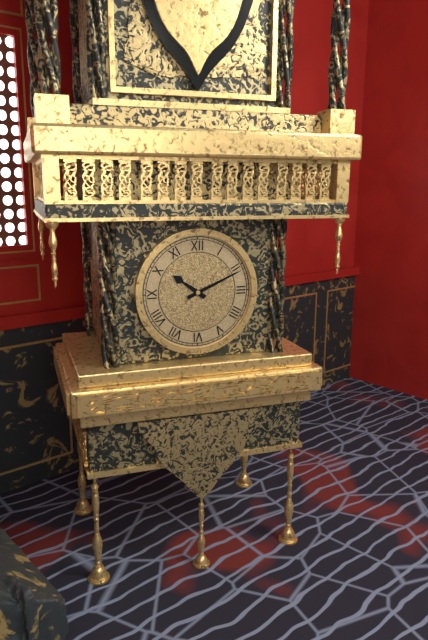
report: 10h11
